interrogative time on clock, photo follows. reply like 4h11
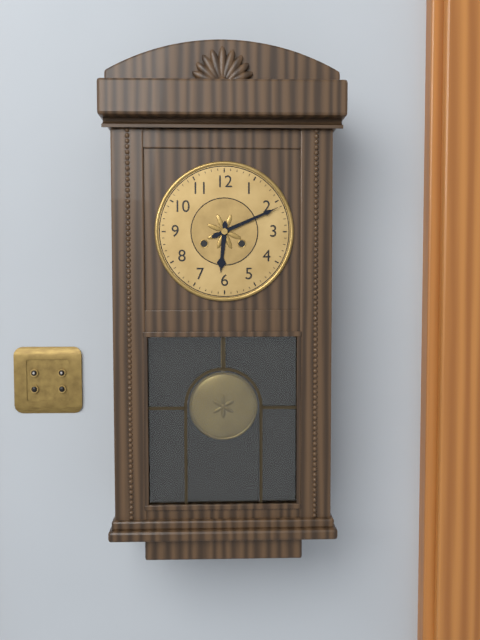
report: 6h11
